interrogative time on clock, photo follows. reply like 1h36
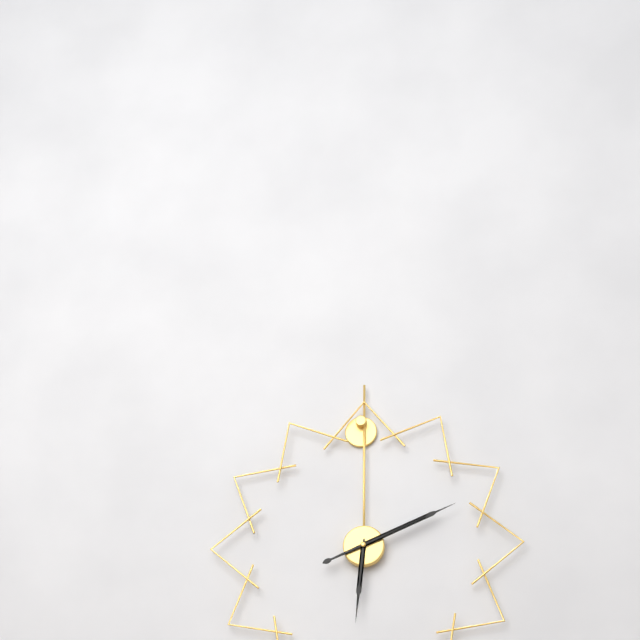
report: 6h11
